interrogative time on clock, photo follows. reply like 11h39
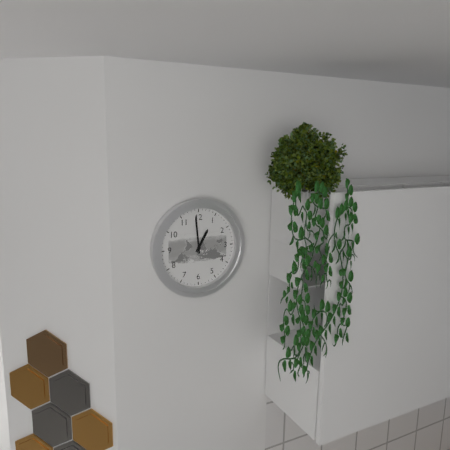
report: 12h59
